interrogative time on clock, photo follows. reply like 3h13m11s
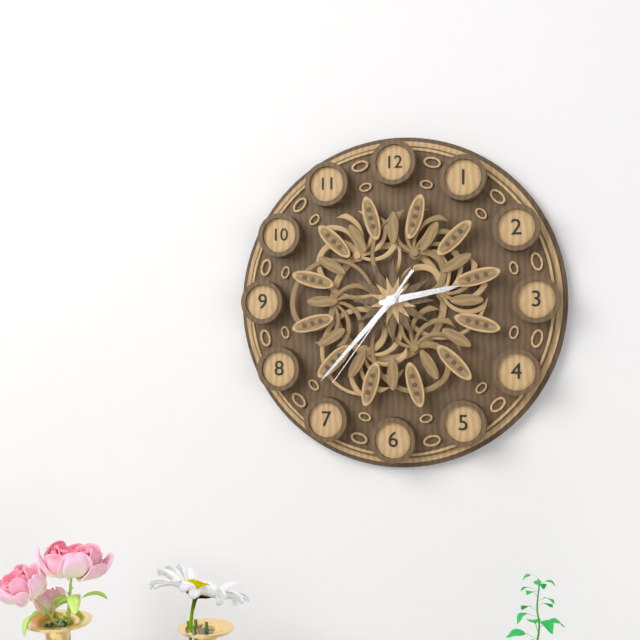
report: 2h37m36s
